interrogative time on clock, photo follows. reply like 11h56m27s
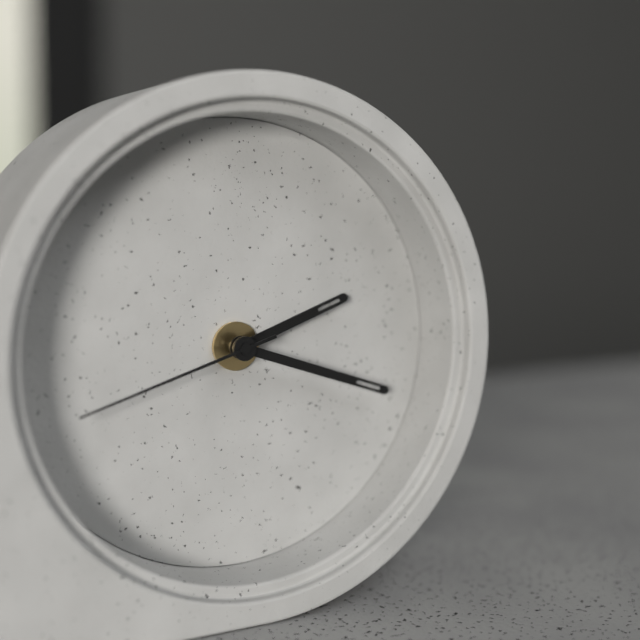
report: 2h18m42s
